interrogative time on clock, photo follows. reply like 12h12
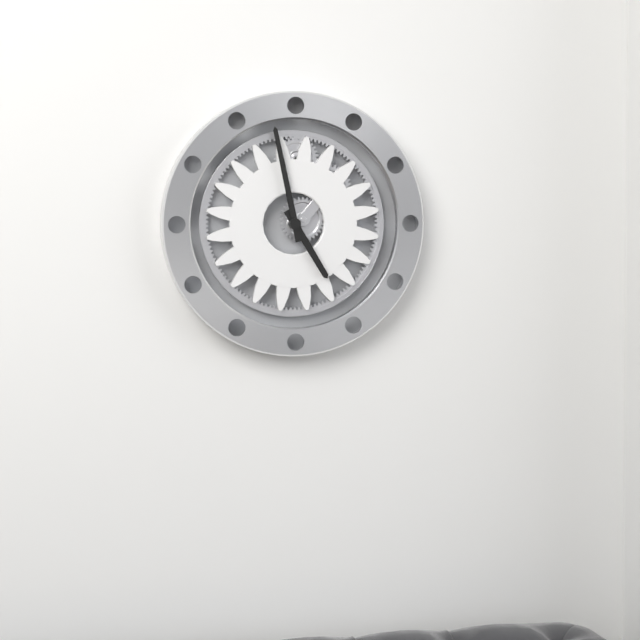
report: 4h58
